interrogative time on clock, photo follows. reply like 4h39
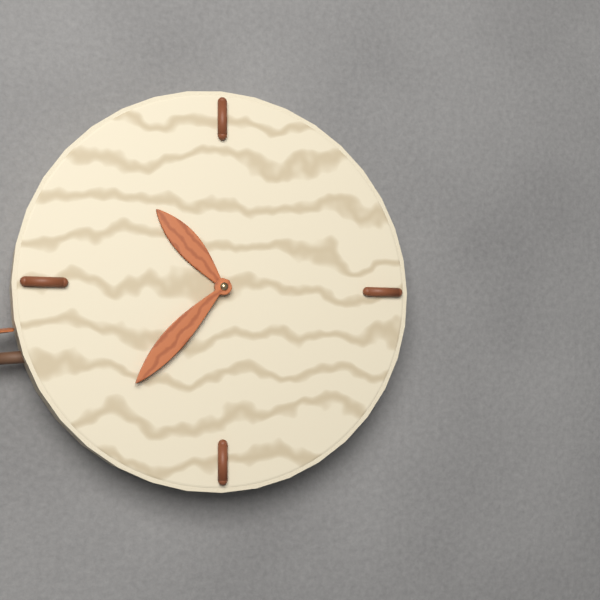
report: 10h37
